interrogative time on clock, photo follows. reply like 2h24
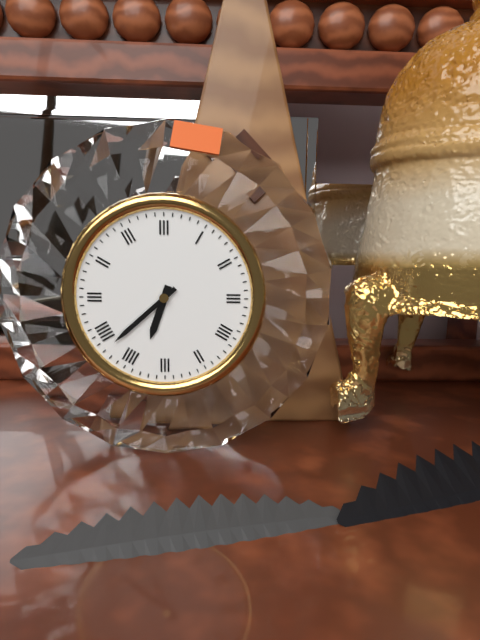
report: 6h38
